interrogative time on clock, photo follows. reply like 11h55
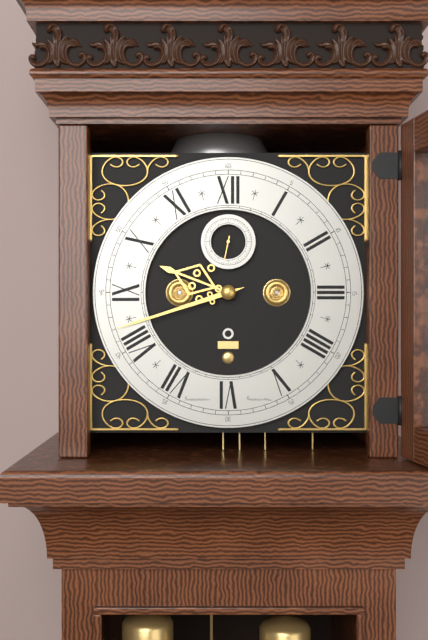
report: 9h42
